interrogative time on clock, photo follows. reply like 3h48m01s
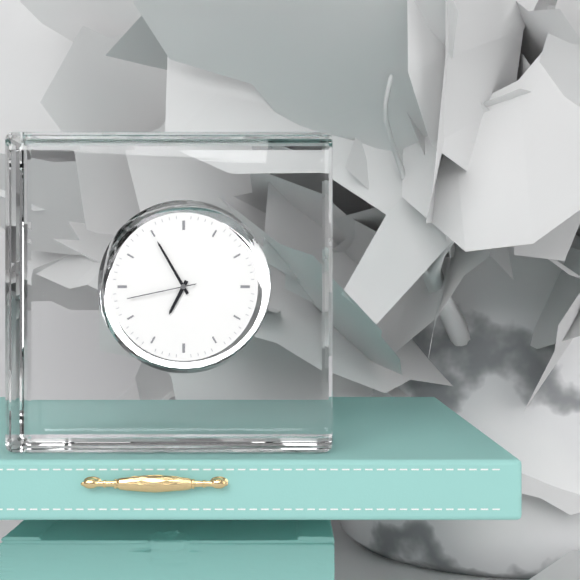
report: 6h55m43s
